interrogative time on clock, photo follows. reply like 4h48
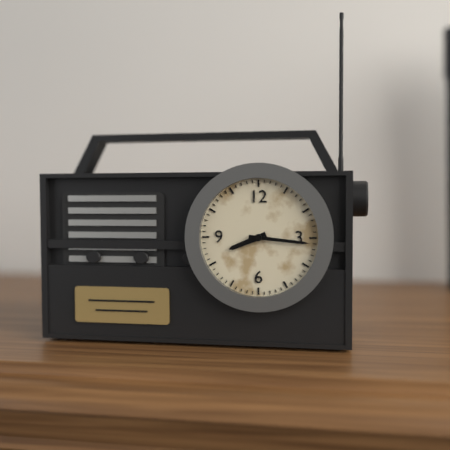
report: 8h16
